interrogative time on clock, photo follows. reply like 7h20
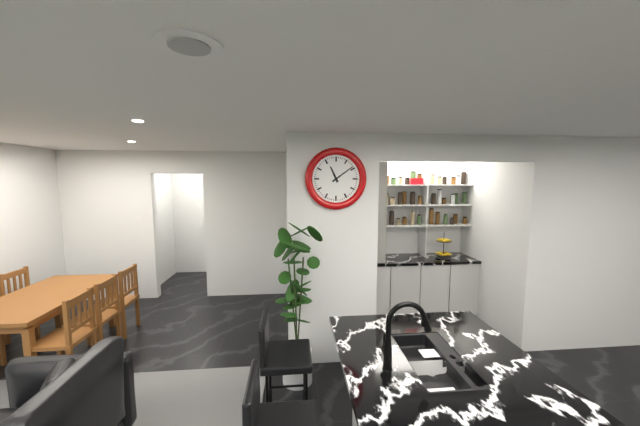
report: 11h09
